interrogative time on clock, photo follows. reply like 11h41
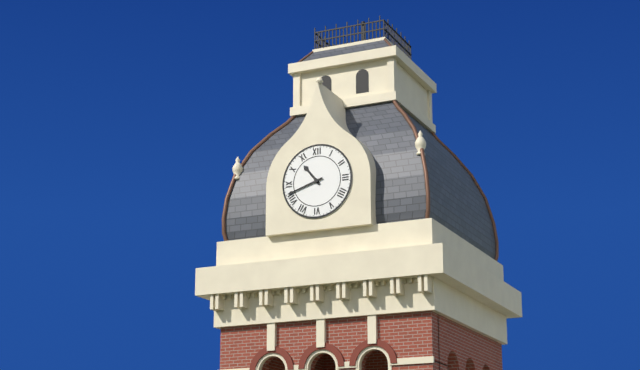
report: 10h42
